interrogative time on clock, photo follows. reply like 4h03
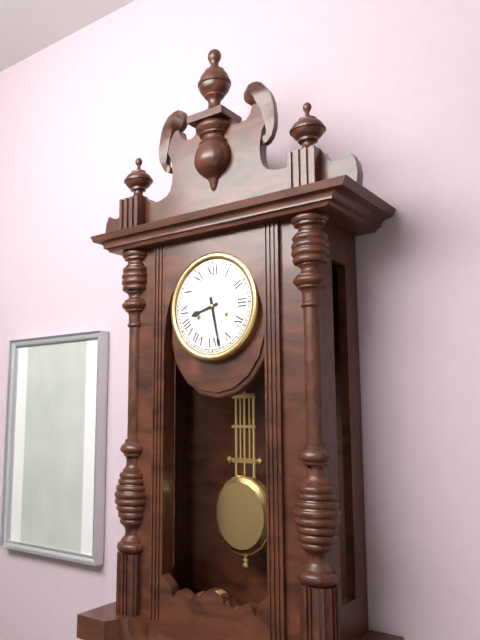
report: 8h28
